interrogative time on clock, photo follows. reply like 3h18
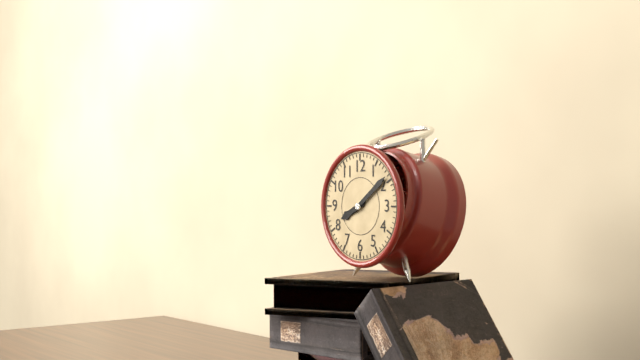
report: 8h09
